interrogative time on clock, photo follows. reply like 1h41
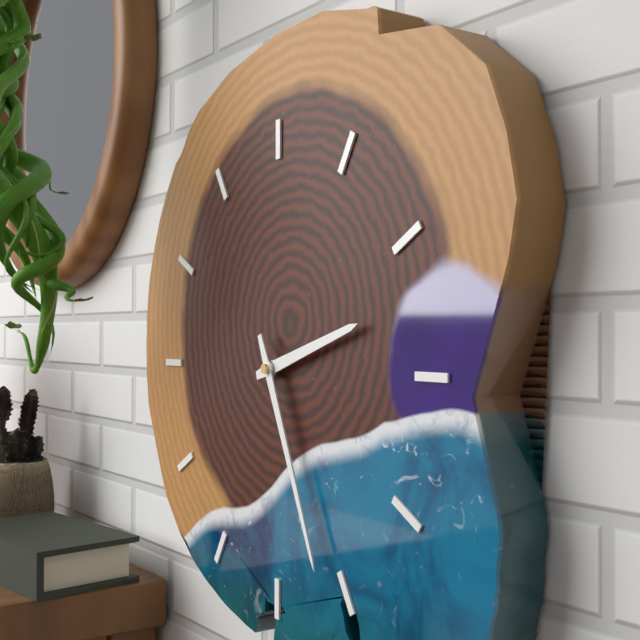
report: 2h26
